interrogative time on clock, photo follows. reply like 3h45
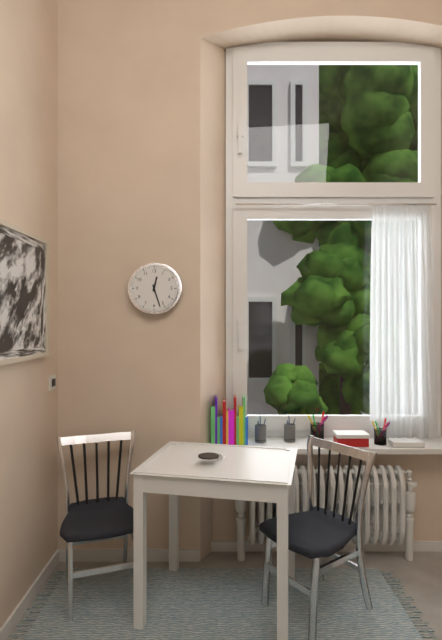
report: 12h27
